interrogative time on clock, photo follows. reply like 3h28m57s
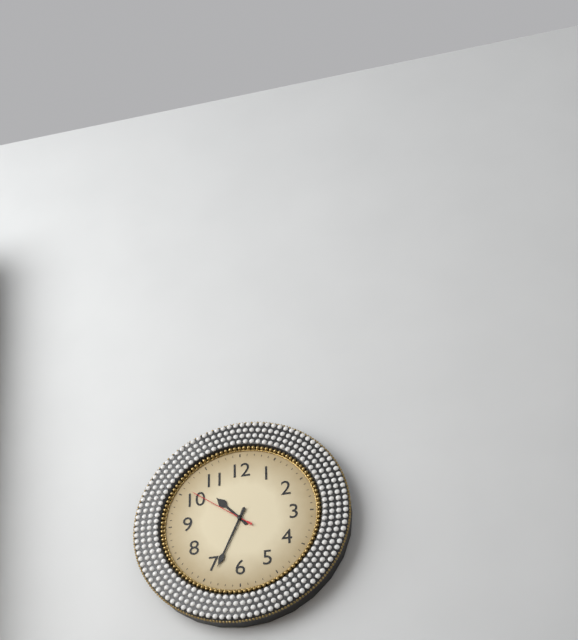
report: 10h34m51s
